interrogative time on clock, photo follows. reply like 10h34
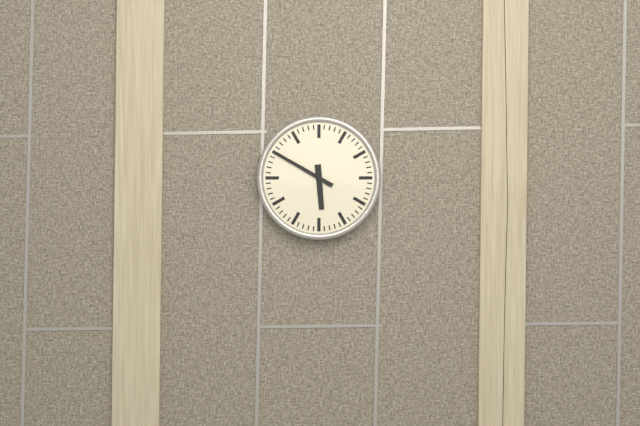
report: 5h50
